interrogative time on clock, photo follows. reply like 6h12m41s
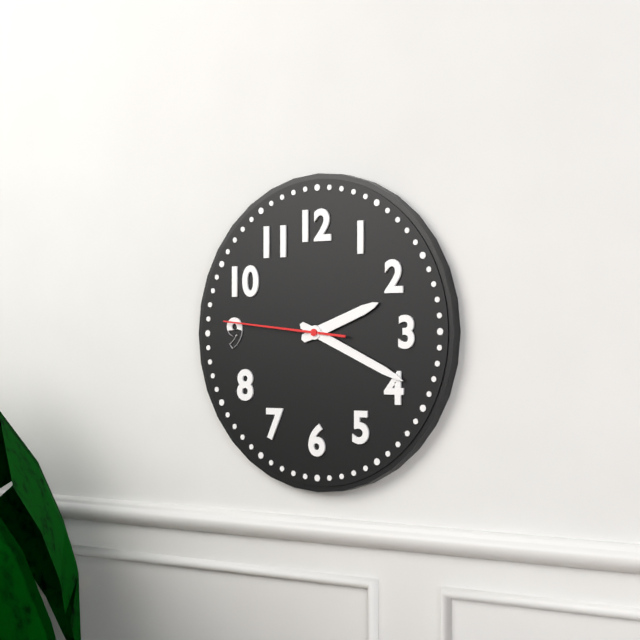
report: 2h19m46s
